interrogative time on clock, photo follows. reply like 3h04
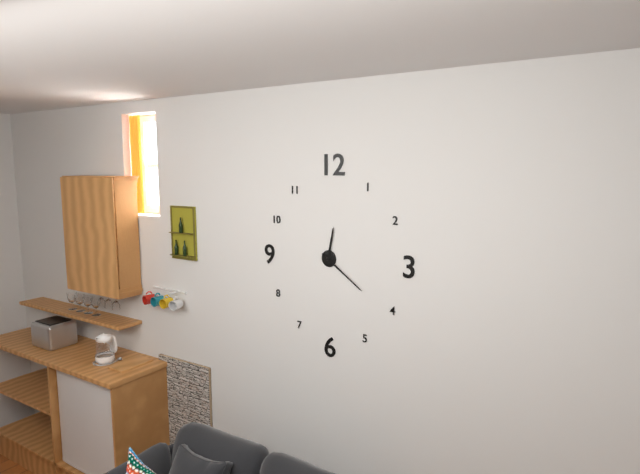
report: 12h21
